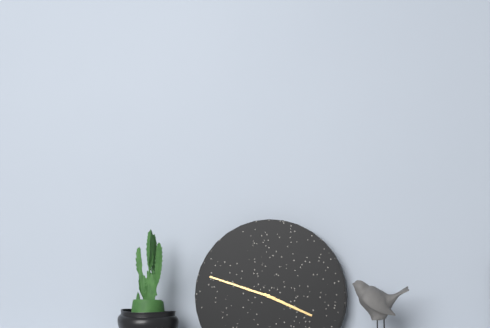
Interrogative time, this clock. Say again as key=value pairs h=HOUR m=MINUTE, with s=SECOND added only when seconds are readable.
h=3 m=48
